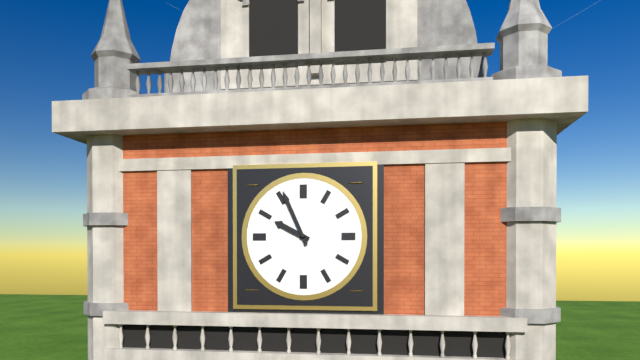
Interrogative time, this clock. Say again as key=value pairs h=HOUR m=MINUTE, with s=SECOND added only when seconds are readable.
h=9 m=56
